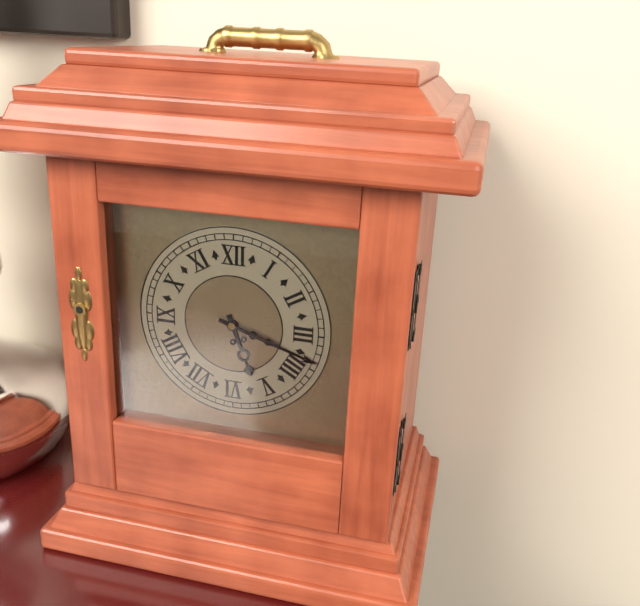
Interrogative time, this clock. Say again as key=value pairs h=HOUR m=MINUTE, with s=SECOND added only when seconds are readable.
h=5 m=18
